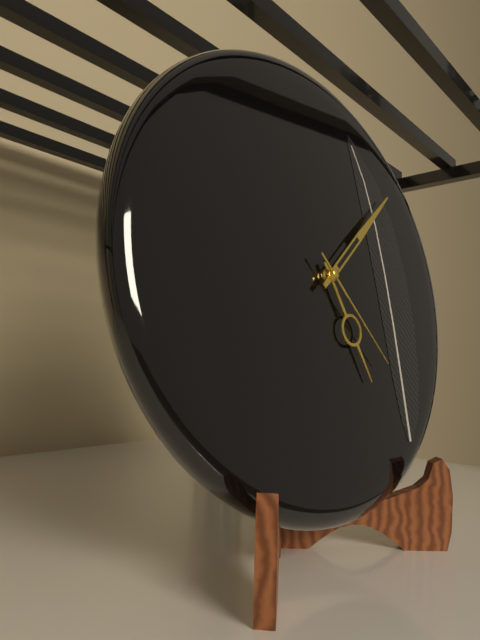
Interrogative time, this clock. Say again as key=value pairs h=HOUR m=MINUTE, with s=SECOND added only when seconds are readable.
h=5 m=8 s=23
